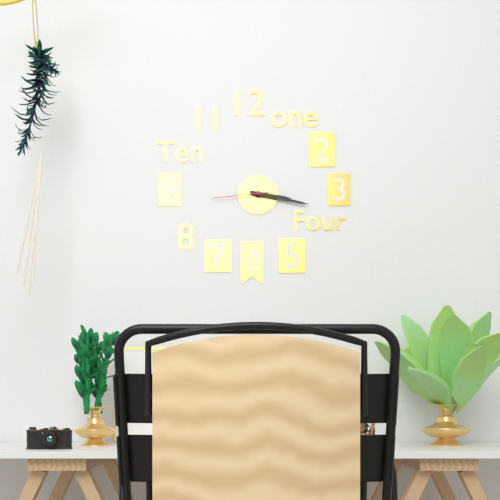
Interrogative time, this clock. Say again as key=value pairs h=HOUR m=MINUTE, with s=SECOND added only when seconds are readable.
h=3 m=17 s=44
